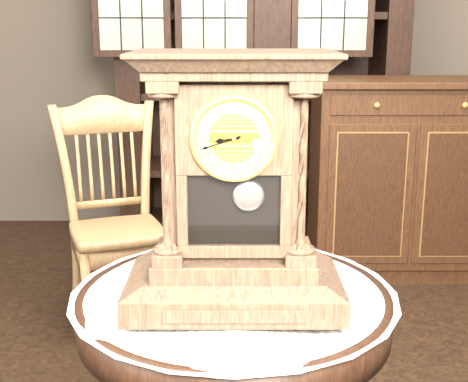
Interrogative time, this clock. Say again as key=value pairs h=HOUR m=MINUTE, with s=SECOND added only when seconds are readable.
h=8 m=42
